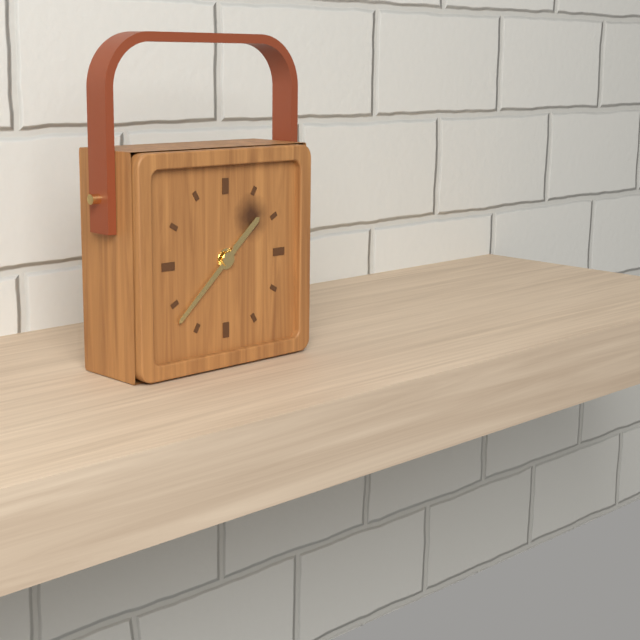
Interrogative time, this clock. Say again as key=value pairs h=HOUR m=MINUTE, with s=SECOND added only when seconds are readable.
h=1 m=38
